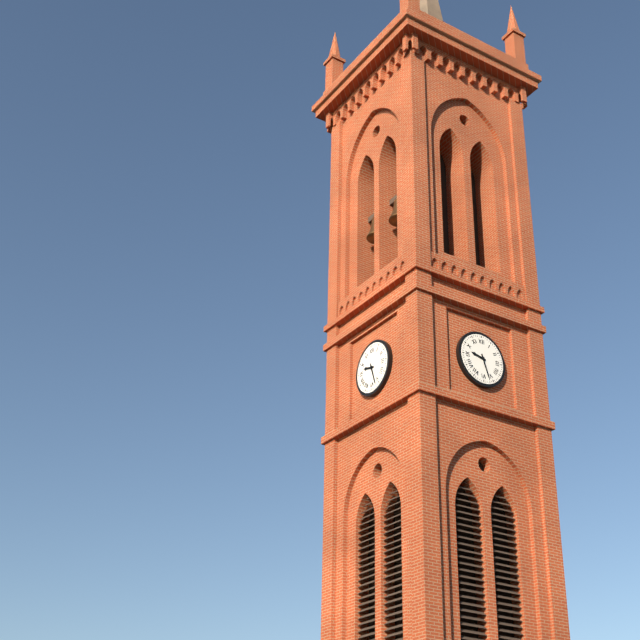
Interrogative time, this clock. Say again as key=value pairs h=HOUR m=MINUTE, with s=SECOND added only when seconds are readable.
h=9 m=27
